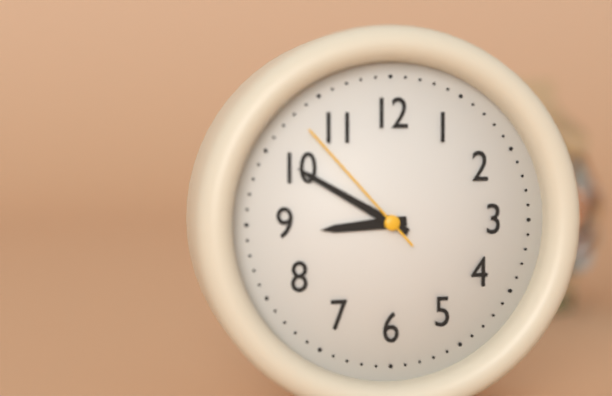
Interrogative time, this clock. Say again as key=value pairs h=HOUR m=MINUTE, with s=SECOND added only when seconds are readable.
h=8 m=50 s=53
